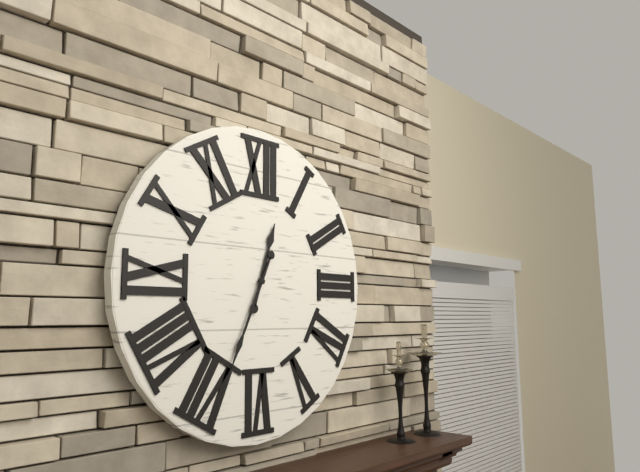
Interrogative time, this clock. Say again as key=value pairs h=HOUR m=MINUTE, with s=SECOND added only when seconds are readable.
h=12 m=34
